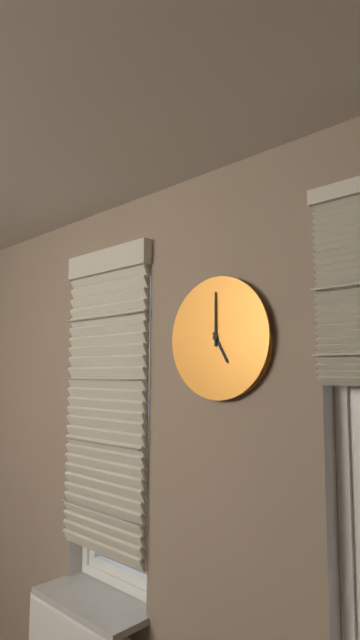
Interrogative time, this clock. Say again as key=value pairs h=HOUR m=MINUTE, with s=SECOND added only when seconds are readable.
h=5 m=0
